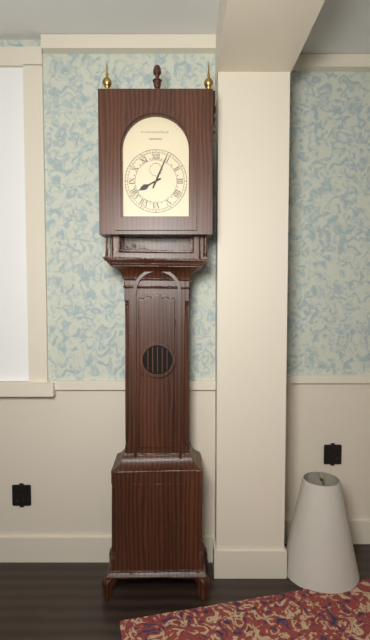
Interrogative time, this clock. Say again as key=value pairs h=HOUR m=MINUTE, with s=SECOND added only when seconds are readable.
h=8 m=4
